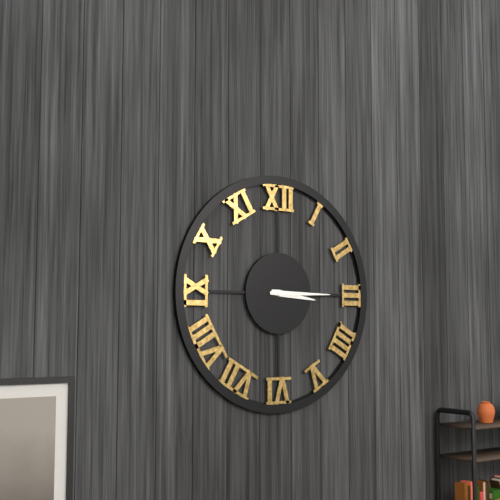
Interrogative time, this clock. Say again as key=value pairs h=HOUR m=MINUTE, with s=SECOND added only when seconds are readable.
h=3 m=15
